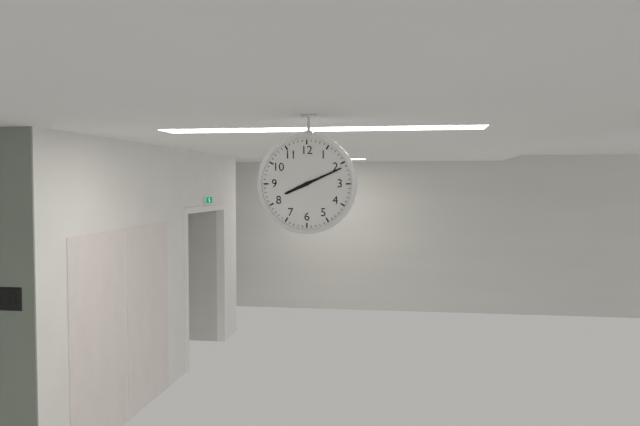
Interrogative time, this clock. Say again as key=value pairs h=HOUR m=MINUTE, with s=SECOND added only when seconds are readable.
h=8 m=11
